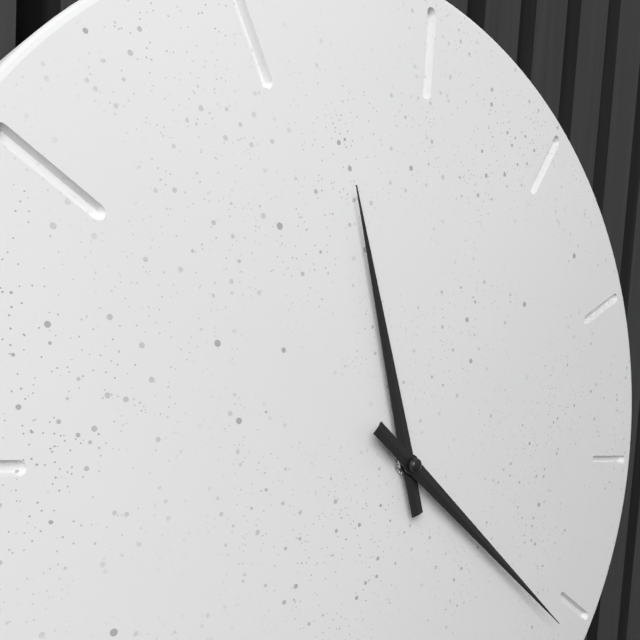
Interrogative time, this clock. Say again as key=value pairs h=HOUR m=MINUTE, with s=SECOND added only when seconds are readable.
h=11 m=21
